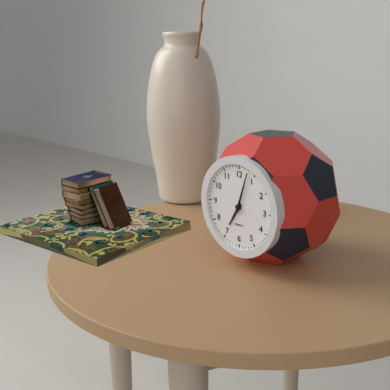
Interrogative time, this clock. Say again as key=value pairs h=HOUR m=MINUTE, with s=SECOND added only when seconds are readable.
h=7 m=3
